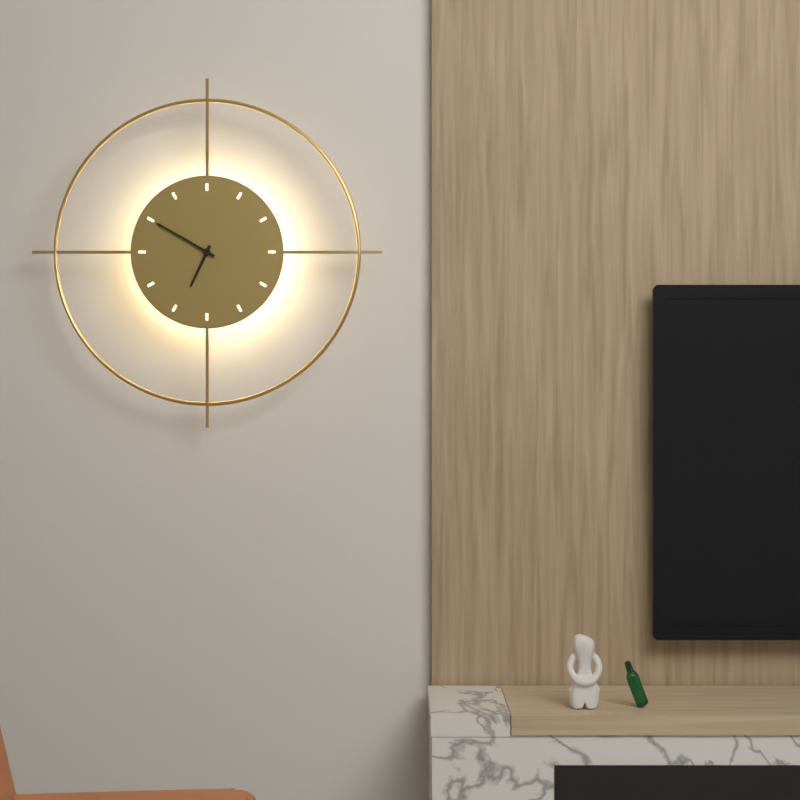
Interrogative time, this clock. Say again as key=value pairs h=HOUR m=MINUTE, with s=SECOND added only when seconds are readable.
h=6 m=50
